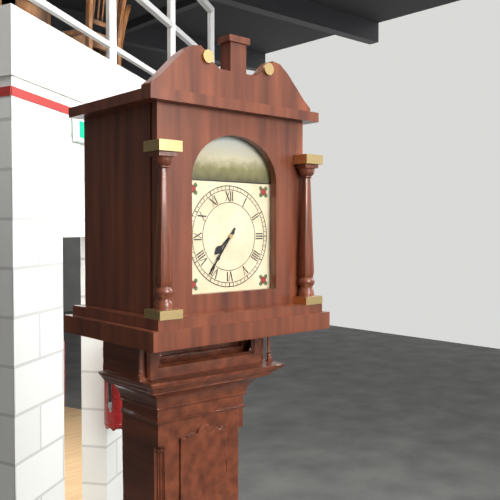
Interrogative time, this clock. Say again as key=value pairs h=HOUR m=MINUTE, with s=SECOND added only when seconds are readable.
h=7 m=36
